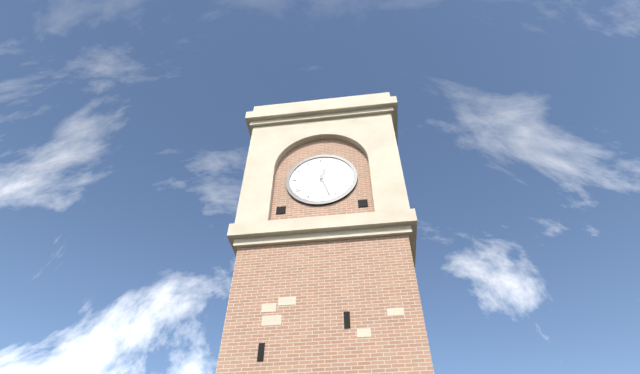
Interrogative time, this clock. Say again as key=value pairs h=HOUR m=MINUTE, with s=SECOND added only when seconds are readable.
h=12 m=27
